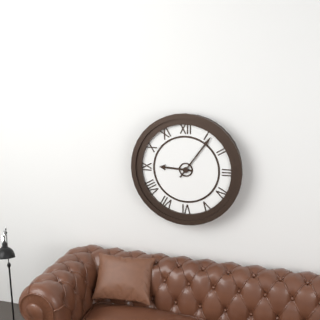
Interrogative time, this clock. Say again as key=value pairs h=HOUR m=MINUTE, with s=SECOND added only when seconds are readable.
h=9 m=6
